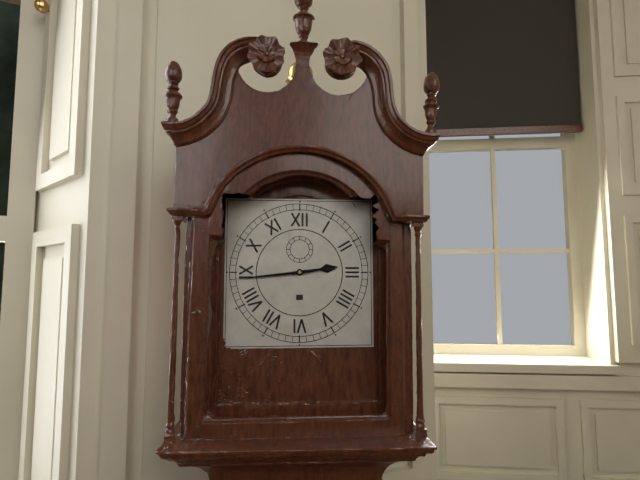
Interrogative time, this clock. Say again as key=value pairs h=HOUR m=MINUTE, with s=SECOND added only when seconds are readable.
h=2 m=44
